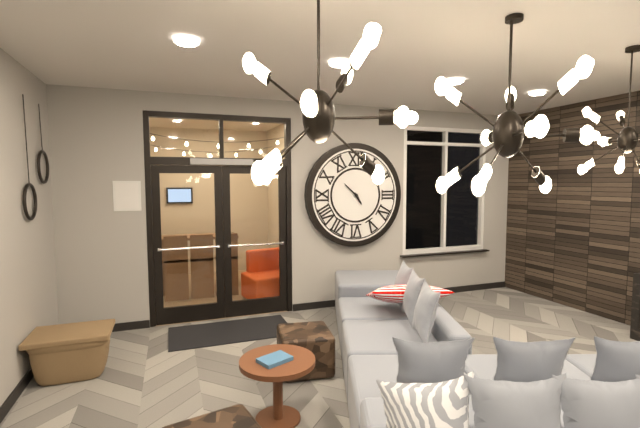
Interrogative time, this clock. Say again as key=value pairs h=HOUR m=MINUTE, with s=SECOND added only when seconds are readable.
h=4 m=52
